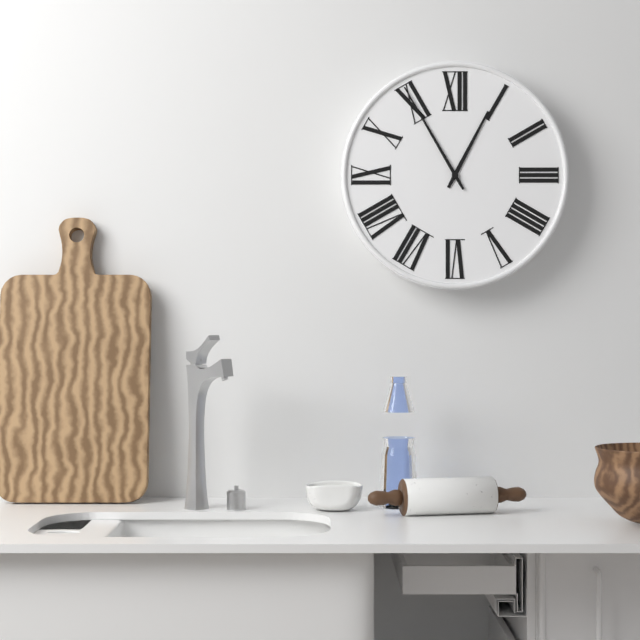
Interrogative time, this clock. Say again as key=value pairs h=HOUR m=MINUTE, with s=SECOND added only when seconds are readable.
h=12 m=55
